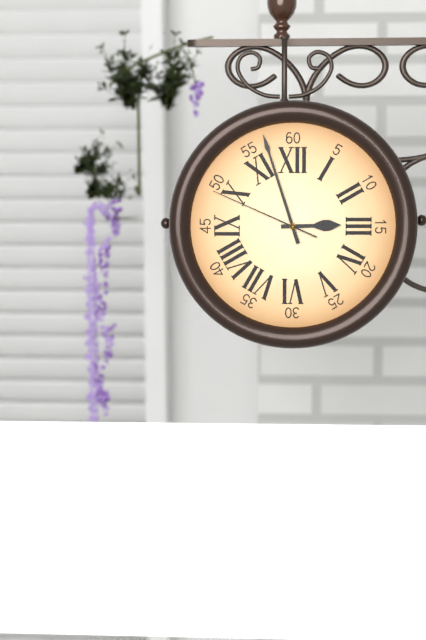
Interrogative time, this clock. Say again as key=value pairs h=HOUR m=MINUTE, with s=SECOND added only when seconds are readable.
h=2 m=57 s=49
